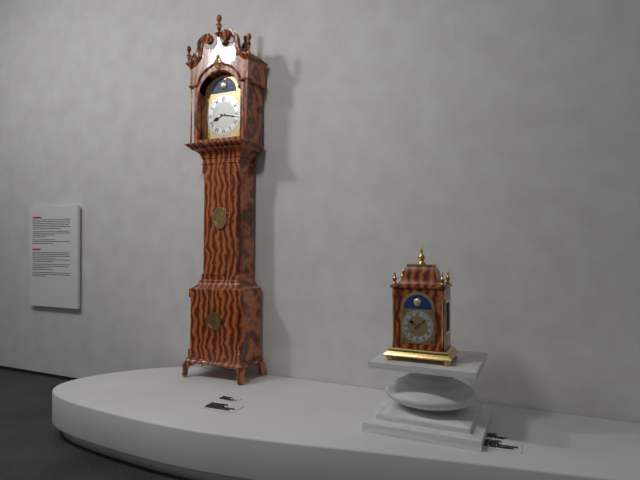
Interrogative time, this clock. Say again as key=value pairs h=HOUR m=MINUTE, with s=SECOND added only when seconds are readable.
h=8 m=17
